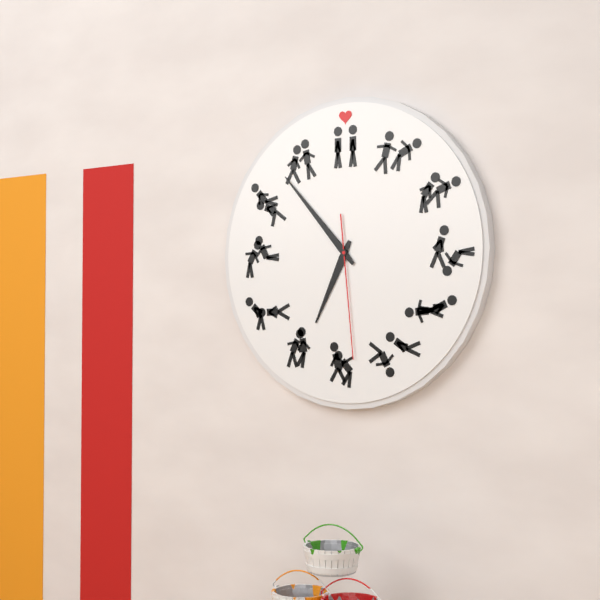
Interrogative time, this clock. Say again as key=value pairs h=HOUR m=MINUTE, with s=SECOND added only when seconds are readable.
h=6 m=53 s=29
